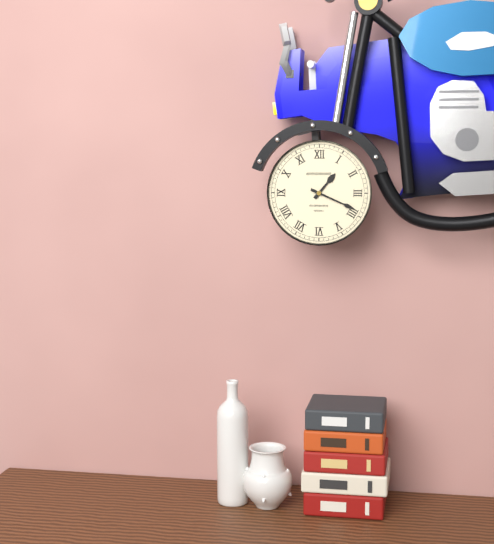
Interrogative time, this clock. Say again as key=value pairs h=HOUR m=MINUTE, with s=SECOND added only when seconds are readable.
h=1 m=19
